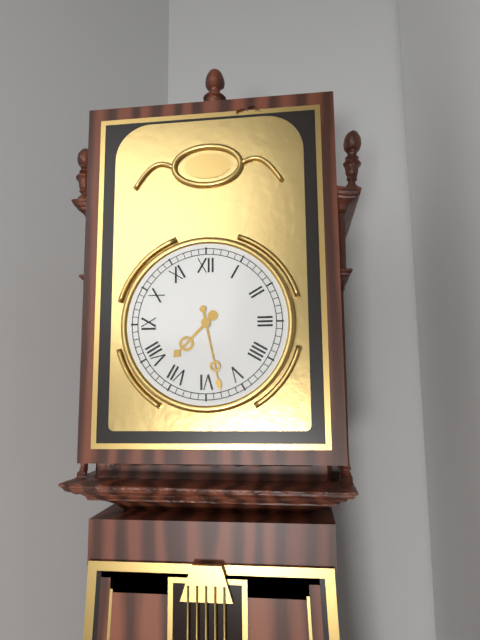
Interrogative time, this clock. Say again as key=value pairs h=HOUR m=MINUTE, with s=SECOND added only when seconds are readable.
h=7 m=28
